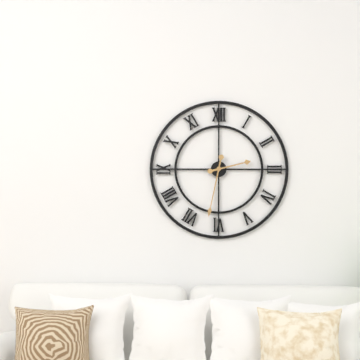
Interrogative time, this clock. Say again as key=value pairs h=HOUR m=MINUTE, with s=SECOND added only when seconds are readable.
h=2 m=32
